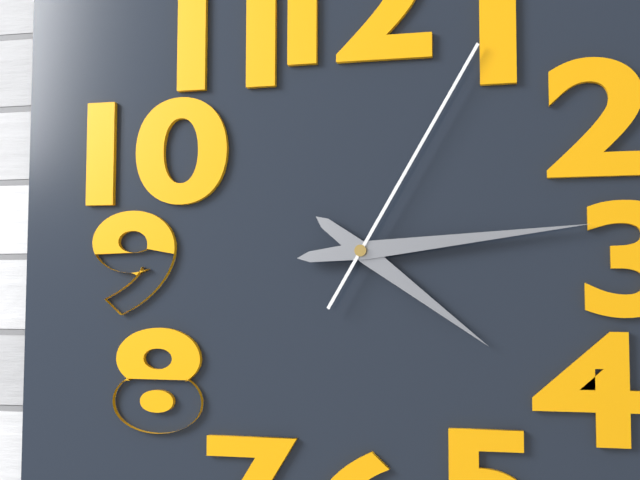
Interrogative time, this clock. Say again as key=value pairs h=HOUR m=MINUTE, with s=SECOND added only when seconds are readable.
h=4 m=14 s=5
